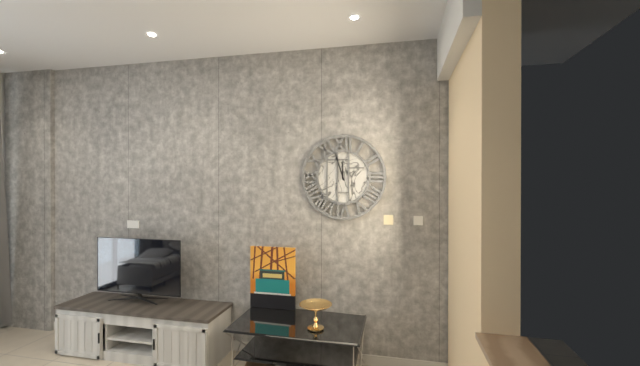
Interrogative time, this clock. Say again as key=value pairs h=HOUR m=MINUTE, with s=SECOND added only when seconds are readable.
h=11 m=57
